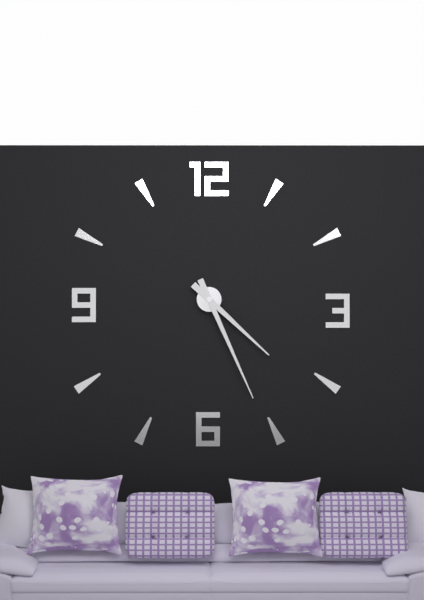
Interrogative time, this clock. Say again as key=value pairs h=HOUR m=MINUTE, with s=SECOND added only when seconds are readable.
h=4 m=26
